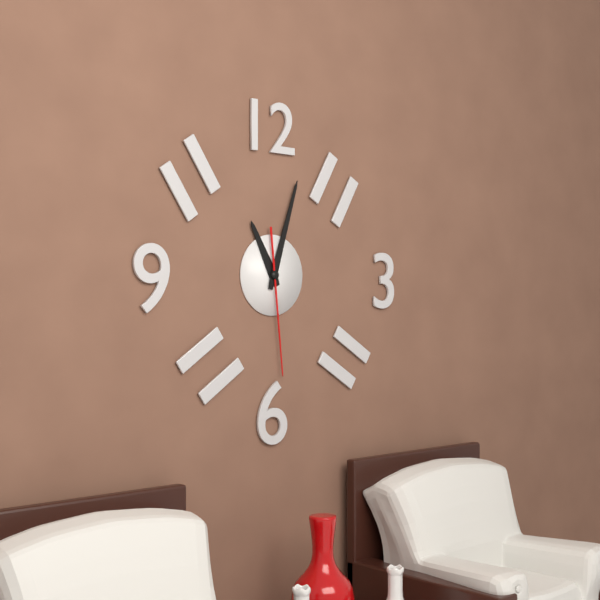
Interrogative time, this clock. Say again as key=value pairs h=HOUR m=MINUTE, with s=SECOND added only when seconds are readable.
h=11 m=3 s=29
